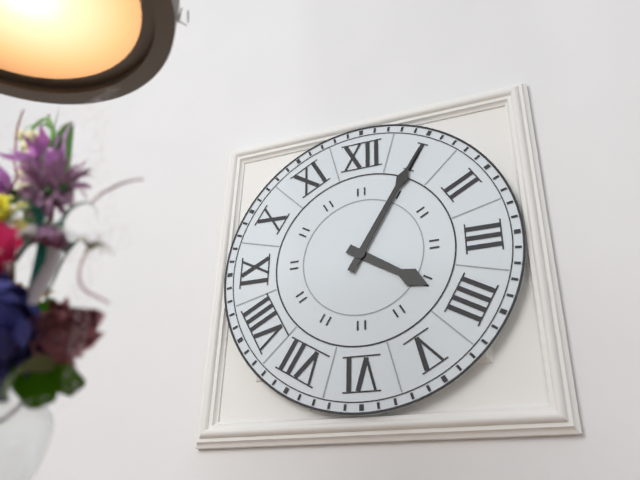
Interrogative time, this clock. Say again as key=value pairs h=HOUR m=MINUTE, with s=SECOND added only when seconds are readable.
h=4 m=5
